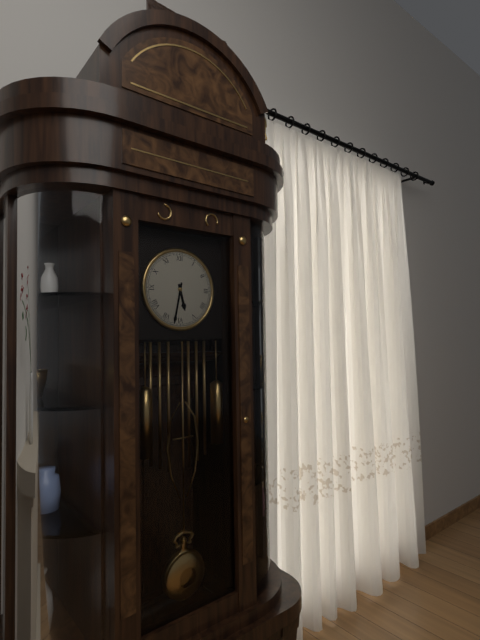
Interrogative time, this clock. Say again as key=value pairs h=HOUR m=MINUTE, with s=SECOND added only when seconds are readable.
h=5 m=32
